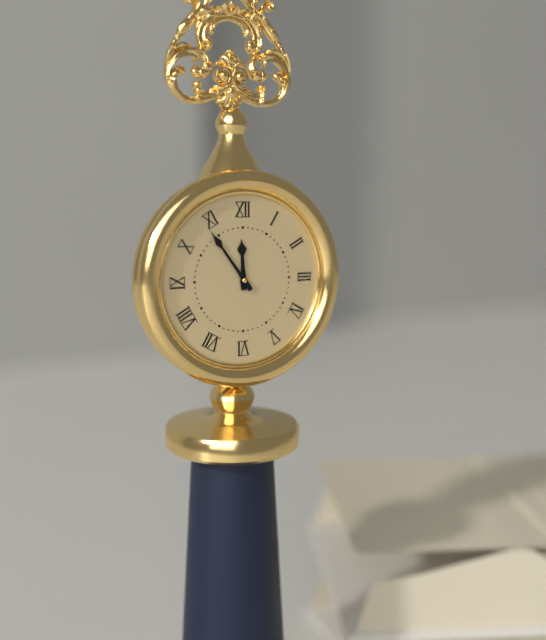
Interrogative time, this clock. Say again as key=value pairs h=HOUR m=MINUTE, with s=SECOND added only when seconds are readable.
h=11 m=54
